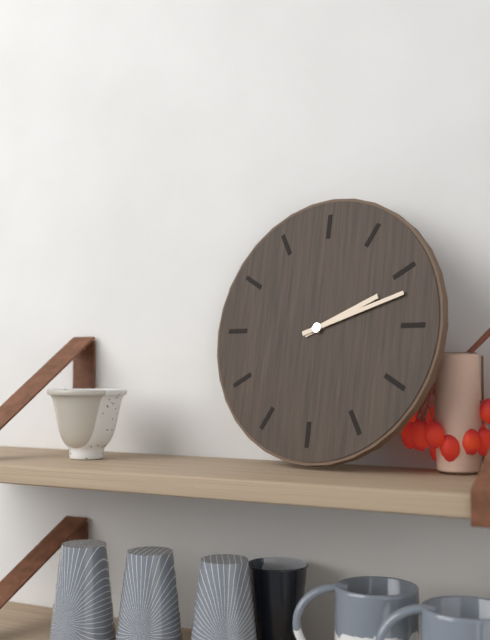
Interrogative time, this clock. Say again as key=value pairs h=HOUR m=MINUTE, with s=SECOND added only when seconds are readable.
h=2 m=12
